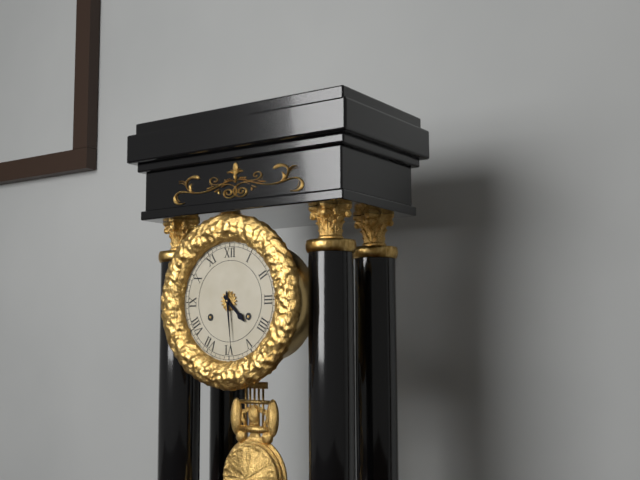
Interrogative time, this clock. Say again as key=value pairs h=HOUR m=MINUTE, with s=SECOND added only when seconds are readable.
h=4 m=29
